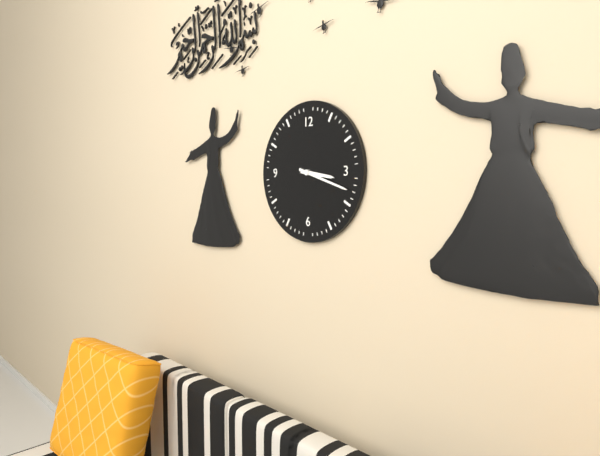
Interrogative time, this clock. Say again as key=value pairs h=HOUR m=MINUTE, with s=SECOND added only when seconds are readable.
h=3 m=18
